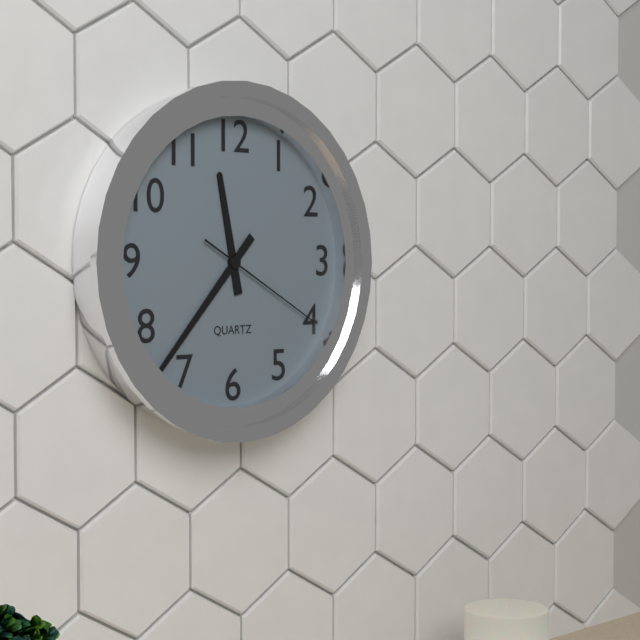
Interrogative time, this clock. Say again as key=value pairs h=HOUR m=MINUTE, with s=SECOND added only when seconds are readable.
h=11 m=37 s=20
